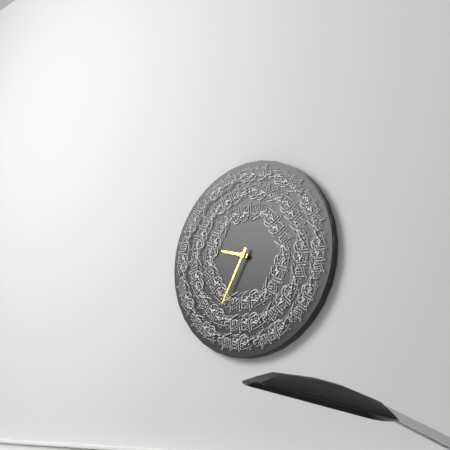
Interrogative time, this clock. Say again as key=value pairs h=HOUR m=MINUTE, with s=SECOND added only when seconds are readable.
h=9 m=35
